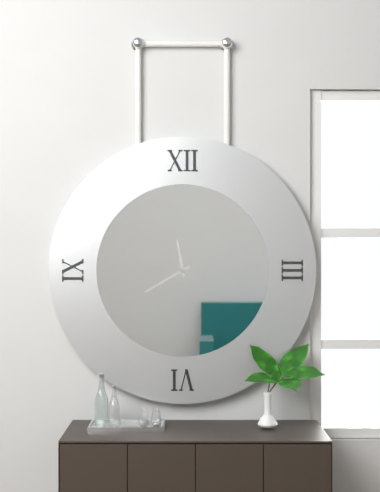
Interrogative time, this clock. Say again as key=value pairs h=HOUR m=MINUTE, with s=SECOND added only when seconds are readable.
h=11 m=40
